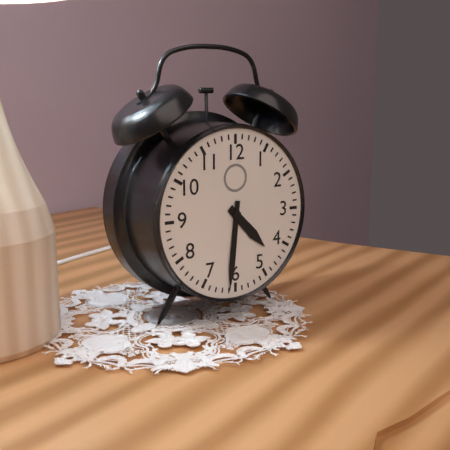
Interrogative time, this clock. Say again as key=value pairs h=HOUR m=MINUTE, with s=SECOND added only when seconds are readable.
h=4 m=31
